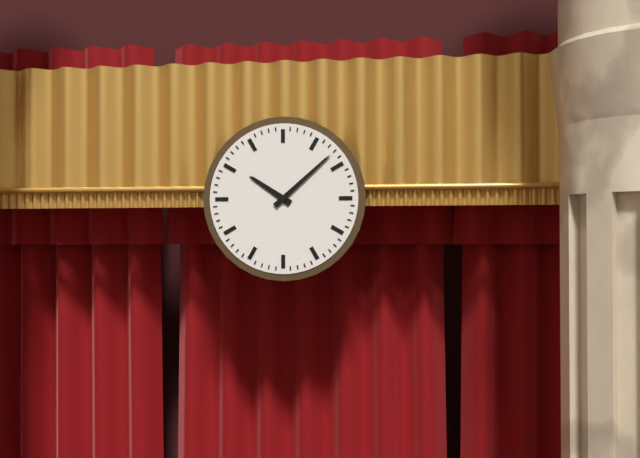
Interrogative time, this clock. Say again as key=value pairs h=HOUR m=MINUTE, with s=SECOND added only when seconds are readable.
h=10 m=8
